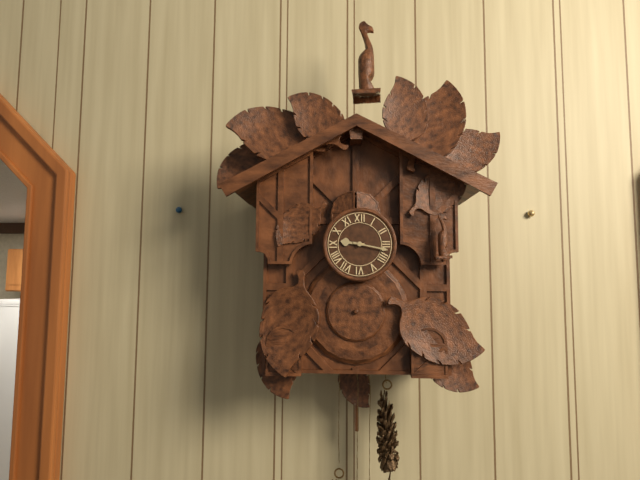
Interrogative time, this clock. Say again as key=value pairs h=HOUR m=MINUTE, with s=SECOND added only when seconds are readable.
h=9 m=17
